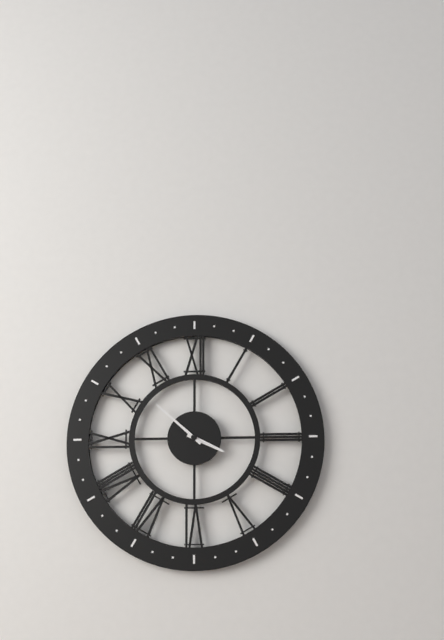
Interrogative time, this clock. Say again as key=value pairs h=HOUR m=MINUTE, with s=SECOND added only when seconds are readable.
h=3 m=52
